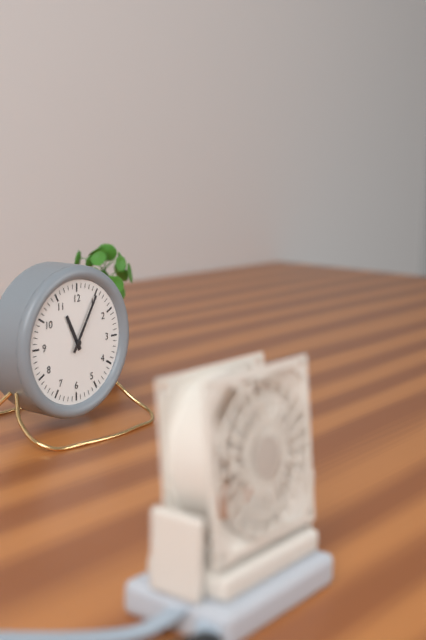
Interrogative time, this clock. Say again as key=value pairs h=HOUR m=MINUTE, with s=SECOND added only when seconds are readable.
h=11 m=5
